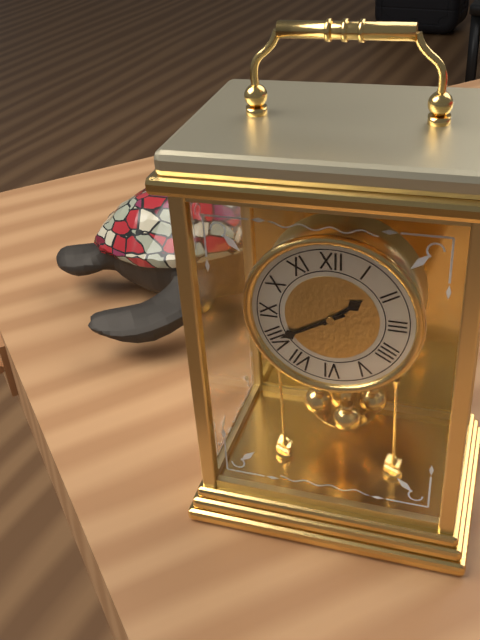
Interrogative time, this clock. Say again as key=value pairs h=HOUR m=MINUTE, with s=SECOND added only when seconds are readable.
h=1 m=40
